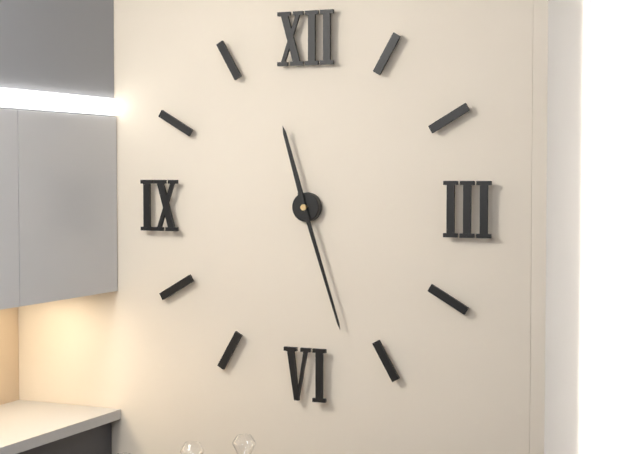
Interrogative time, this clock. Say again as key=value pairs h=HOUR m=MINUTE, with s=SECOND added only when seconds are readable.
h=11 m=27
